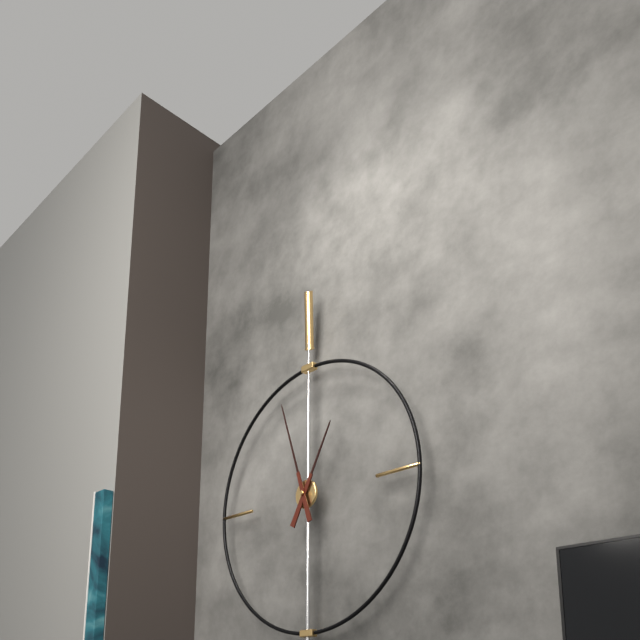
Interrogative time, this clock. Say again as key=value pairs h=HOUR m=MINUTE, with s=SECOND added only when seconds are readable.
h=12 m=57
